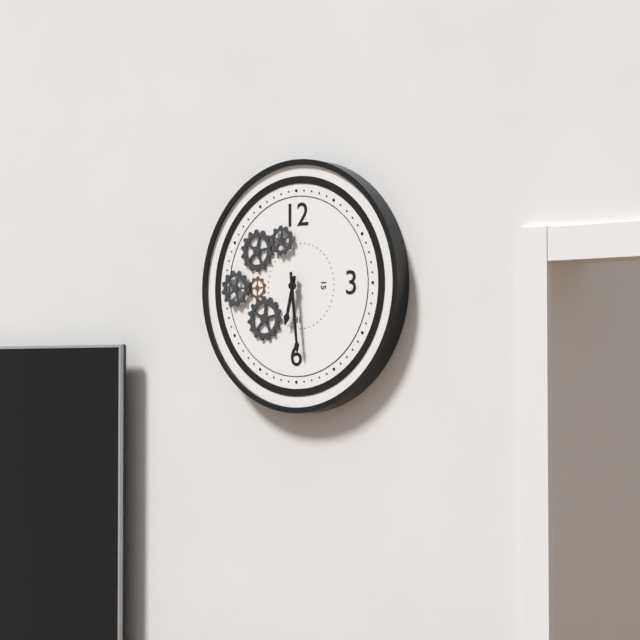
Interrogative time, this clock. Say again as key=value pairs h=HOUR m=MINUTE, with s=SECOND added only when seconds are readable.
h=6 m=29
